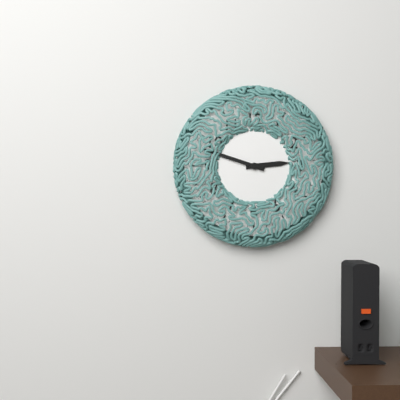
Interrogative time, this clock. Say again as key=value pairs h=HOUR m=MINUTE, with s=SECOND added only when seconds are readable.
h=2 m=48
